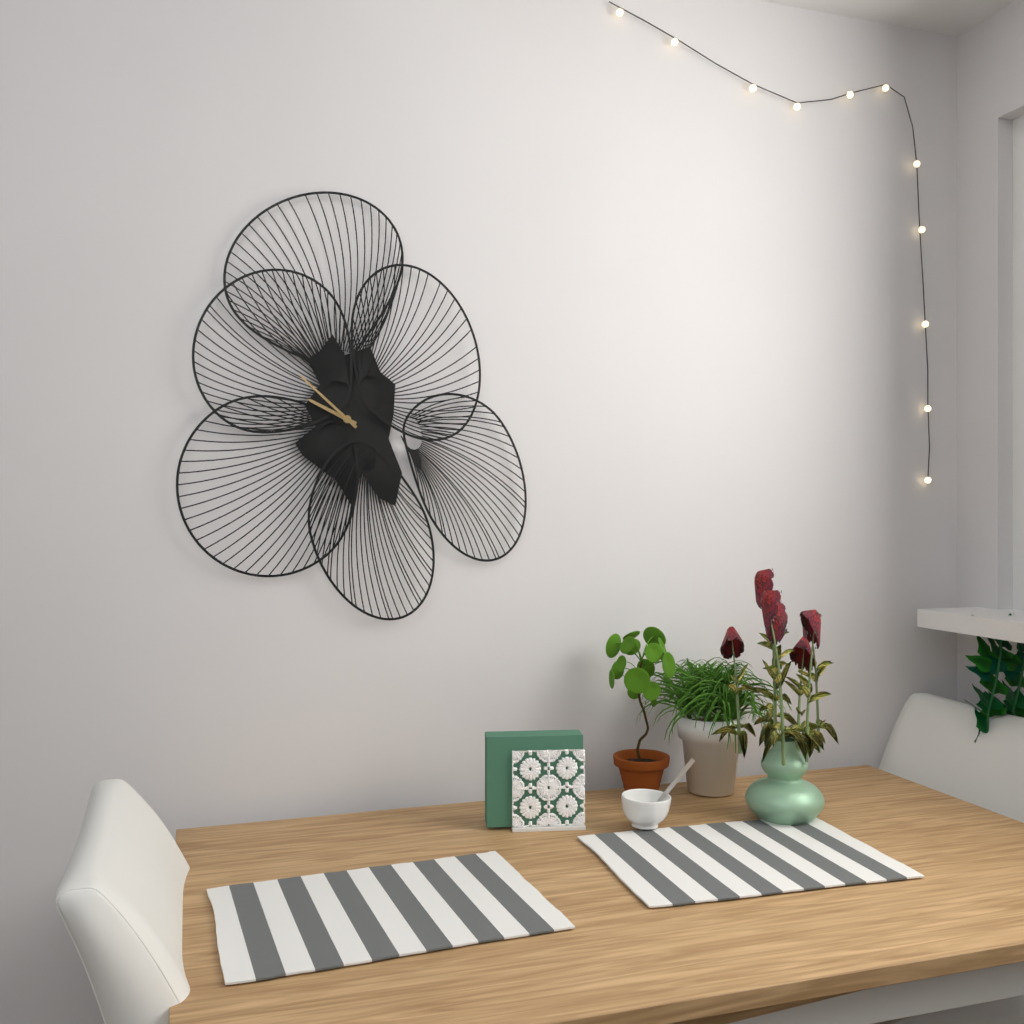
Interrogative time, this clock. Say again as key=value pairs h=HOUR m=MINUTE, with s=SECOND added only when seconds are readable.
h=9 m=52
